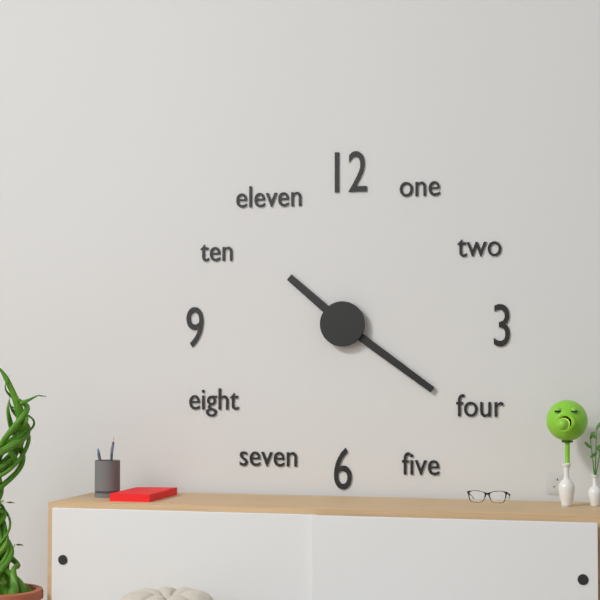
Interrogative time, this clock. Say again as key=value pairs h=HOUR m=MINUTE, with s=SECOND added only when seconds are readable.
h=10 m=21
